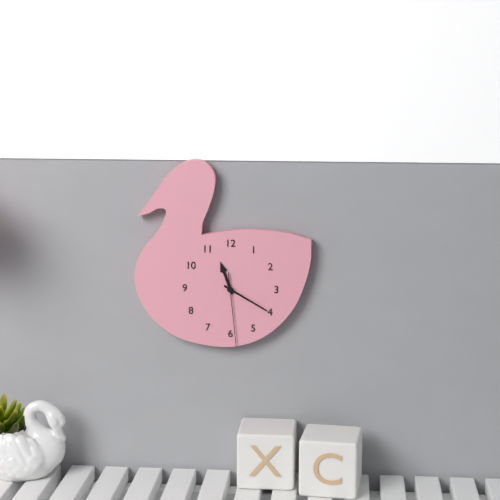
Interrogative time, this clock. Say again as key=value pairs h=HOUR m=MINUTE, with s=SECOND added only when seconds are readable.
h=11 m=20 s=29
